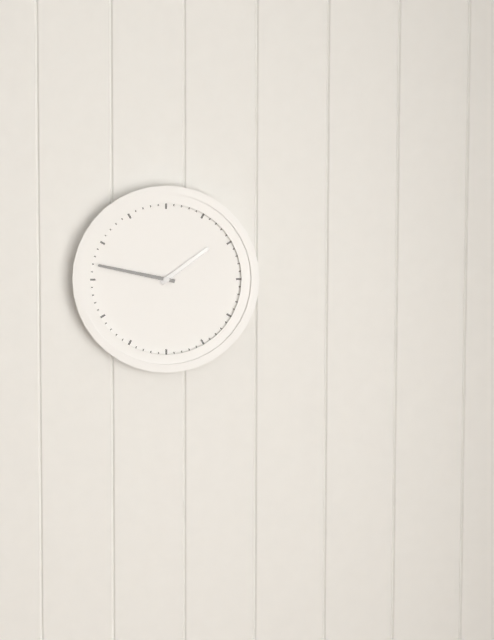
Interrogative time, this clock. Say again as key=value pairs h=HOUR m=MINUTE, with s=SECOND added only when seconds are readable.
h=1 m=47
